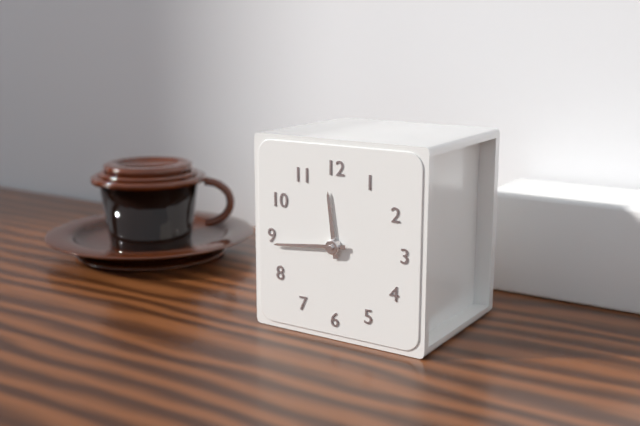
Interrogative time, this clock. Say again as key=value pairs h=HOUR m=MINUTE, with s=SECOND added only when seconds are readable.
h=11 m=44
